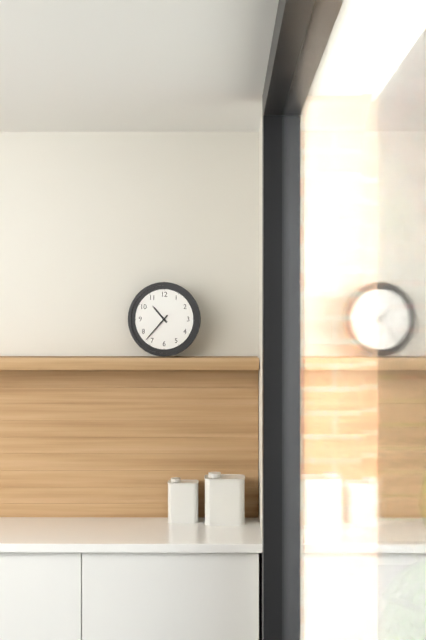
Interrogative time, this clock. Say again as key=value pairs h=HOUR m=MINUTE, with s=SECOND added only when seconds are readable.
h=10 m=37
